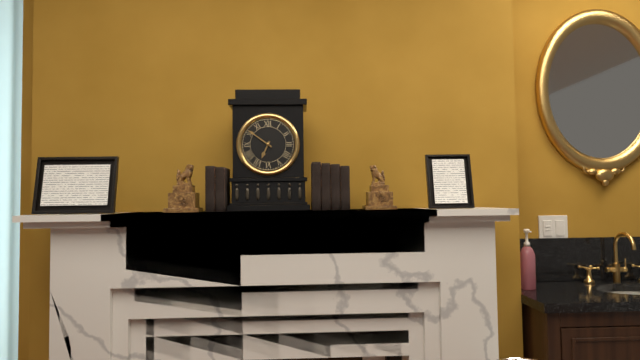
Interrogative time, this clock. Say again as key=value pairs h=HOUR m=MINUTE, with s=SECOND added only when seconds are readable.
h=6 m=51
